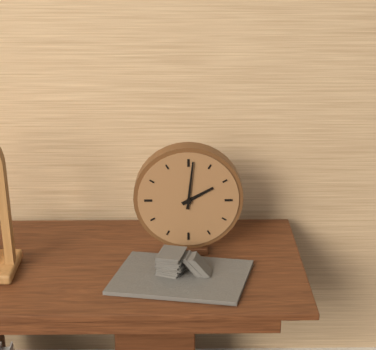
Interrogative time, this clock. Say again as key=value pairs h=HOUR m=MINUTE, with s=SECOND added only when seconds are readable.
h=2 m=1
